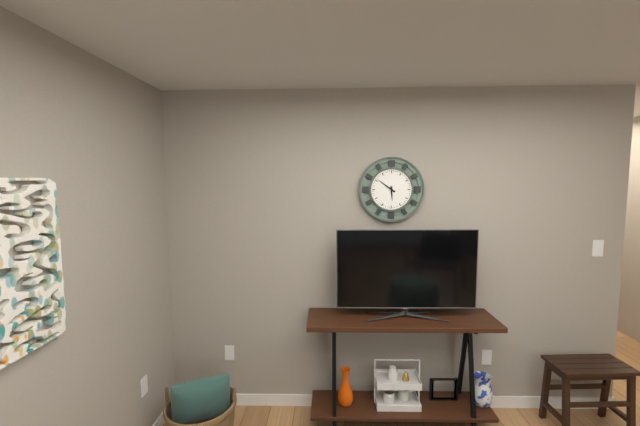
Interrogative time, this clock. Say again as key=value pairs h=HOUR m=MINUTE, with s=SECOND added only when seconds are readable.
h=5 m=51
